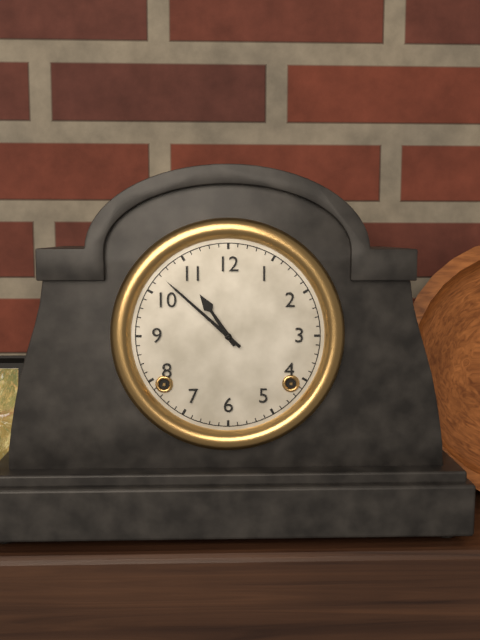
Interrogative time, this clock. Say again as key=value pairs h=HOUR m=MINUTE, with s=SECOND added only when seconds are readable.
h=10 m=52
